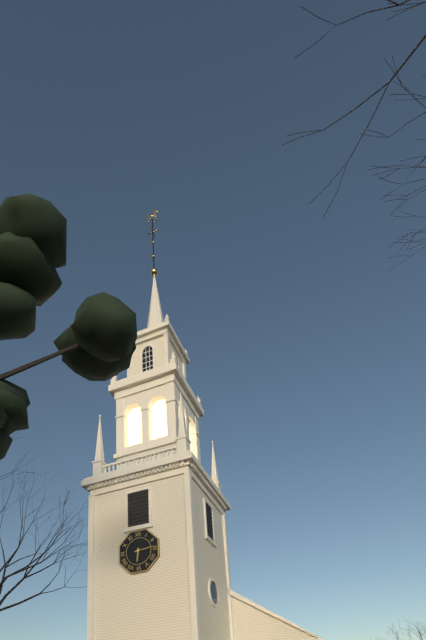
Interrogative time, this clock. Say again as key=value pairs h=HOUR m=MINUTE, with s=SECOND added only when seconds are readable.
h=6 m=14
